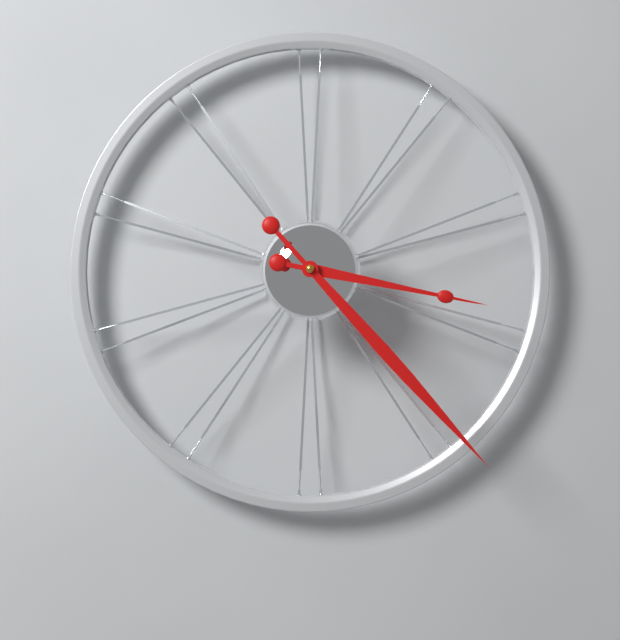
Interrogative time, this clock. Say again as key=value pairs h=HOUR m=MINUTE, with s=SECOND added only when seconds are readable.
h=3 m=23
